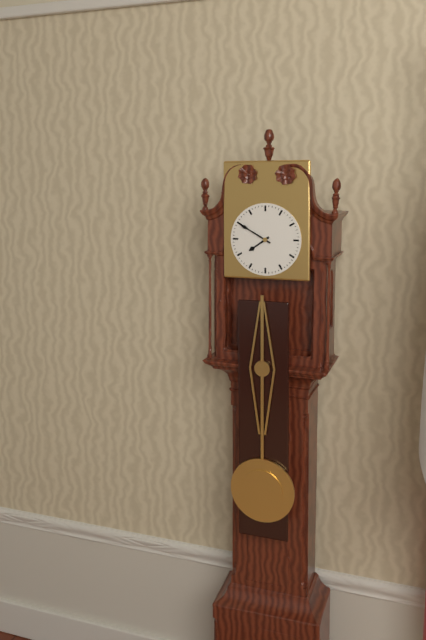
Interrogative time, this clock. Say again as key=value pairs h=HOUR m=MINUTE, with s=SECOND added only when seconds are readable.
h=7 m=50
